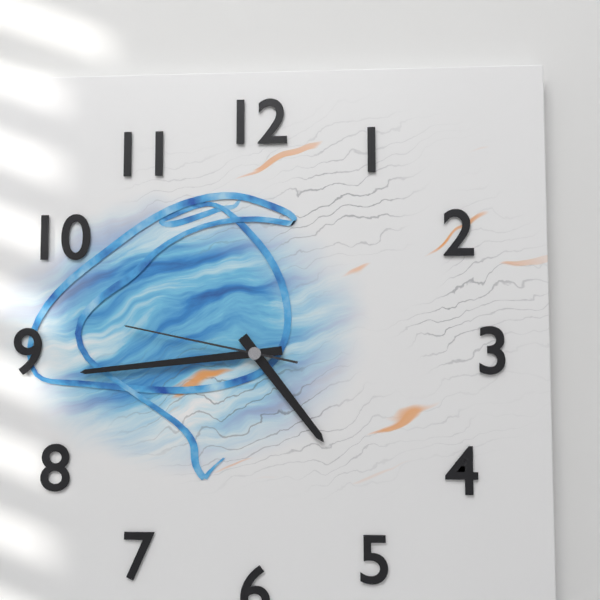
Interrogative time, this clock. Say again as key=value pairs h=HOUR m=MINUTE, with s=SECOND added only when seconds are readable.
h=4 m=44 s=47
